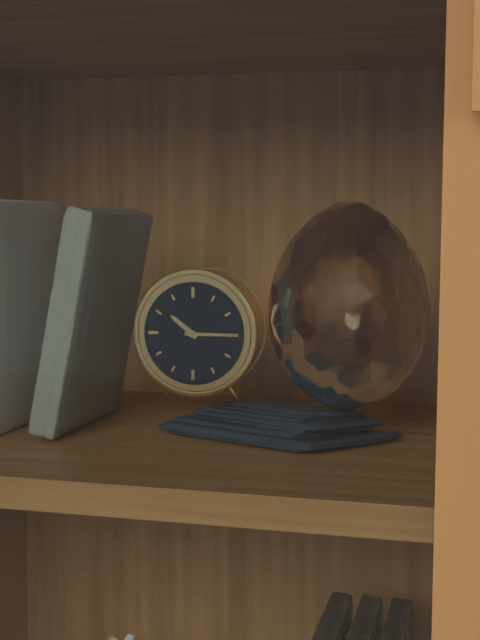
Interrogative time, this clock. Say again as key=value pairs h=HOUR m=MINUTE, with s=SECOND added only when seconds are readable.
h=10 m=15
